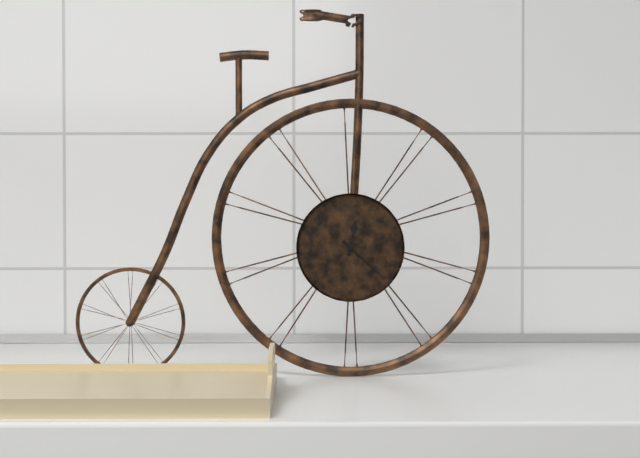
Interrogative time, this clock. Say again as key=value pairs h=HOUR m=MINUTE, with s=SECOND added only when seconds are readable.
h=12 m=22
